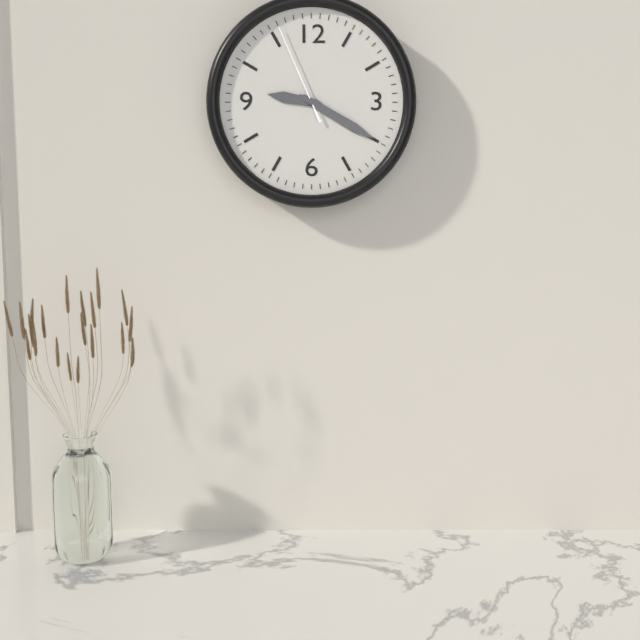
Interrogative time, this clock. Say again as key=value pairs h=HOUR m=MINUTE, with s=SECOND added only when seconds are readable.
h=9 m=20 s=56
